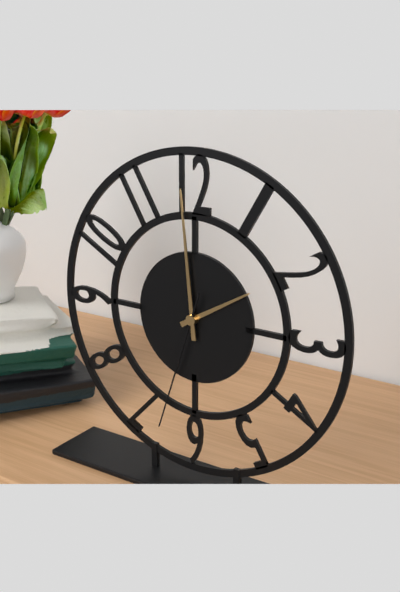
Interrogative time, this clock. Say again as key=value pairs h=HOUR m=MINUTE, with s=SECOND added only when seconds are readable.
h=1 m=59 s=33
